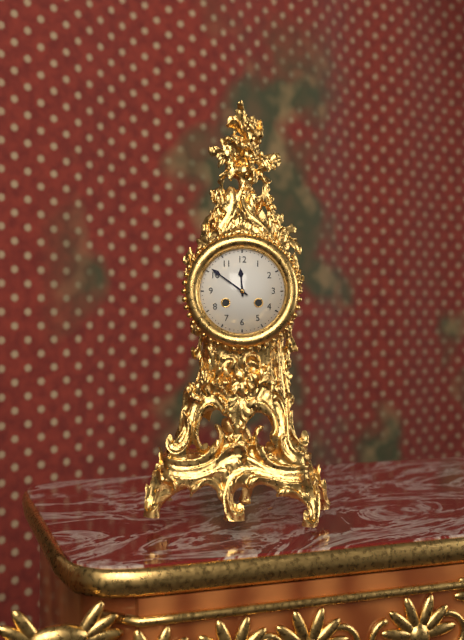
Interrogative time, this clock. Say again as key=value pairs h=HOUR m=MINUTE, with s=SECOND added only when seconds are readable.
h=11 m=51
